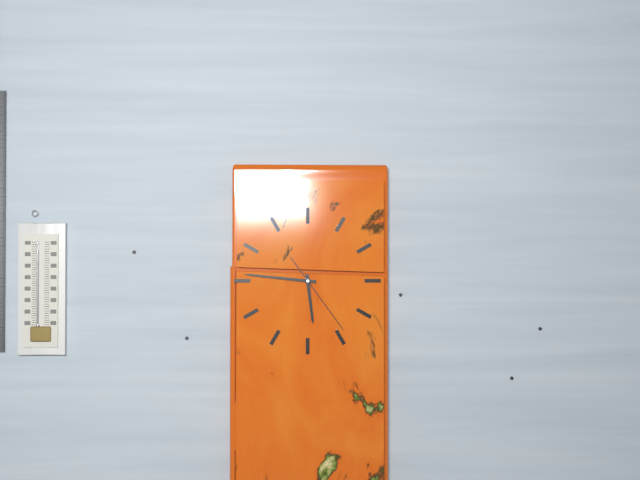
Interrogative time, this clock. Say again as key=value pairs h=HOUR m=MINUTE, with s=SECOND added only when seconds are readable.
h=5 m=46 s=24
